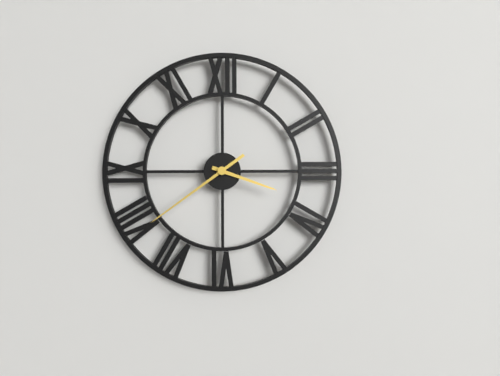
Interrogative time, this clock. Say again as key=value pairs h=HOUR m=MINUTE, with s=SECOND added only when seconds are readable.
h=3 m=39
